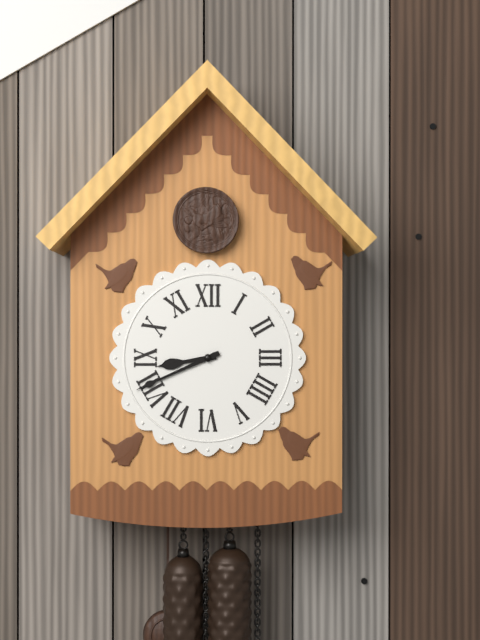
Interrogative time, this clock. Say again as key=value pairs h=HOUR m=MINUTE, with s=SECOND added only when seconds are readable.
h=8 m=41
